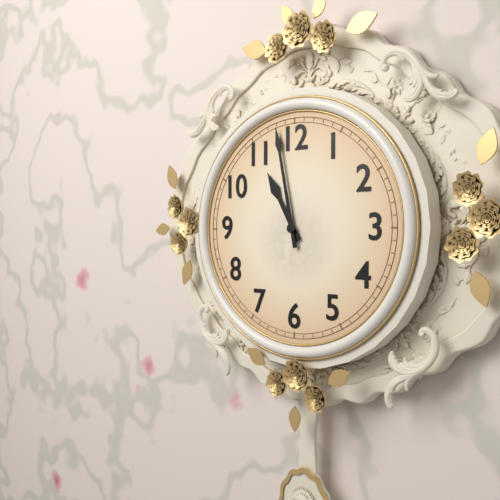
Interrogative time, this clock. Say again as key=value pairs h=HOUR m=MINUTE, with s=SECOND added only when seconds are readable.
h=10 m=58
